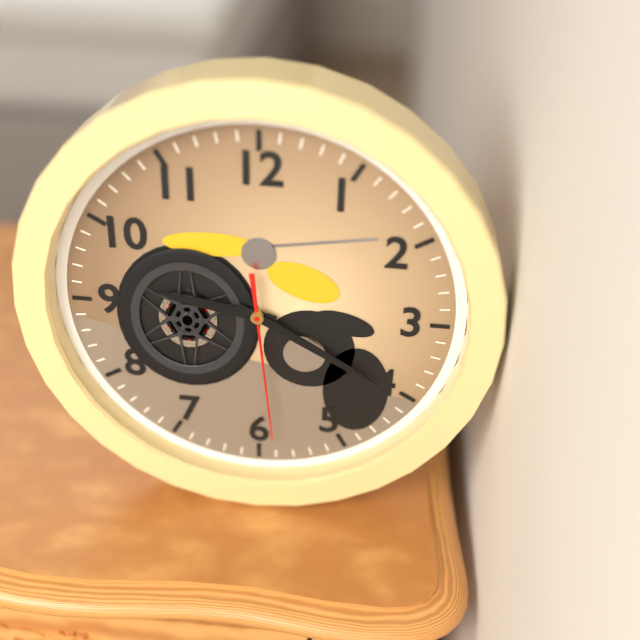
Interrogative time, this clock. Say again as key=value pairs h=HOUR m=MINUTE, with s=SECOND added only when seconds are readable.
h=9 m=20 s=29
